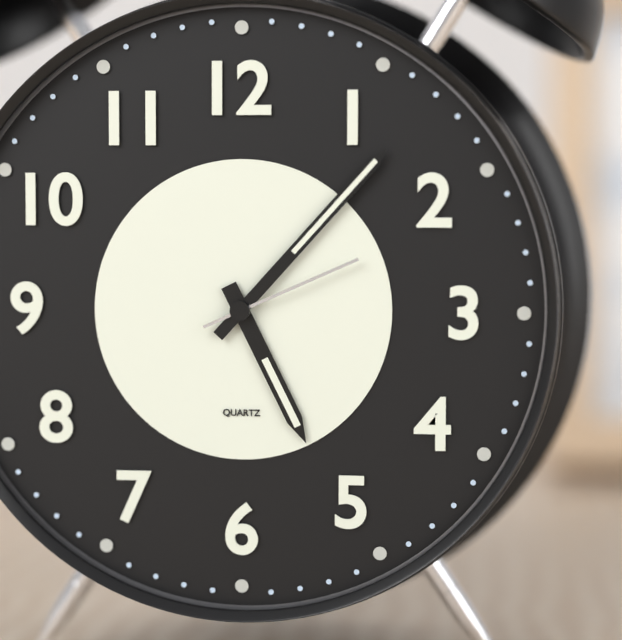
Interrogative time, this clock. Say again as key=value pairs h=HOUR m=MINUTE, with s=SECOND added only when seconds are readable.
h=5 m=7 s=11
